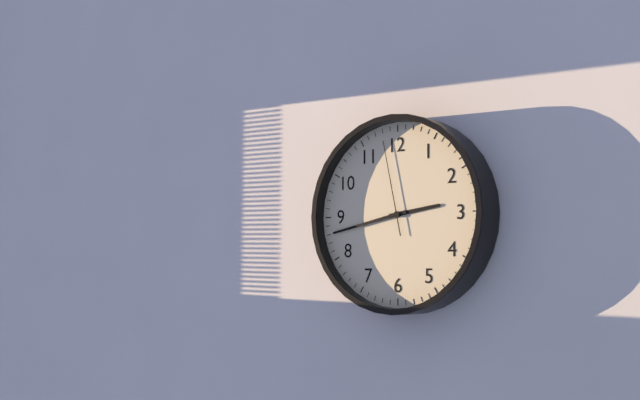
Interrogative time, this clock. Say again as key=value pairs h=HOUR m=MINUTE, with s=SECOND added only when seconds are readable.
h=2 m=43 s=58
